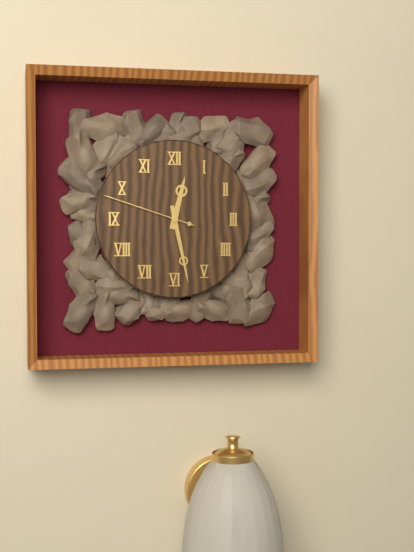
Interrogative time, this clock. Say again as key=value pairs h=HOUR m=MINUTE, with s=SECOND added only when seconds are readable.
h=12 m=28 s=48
